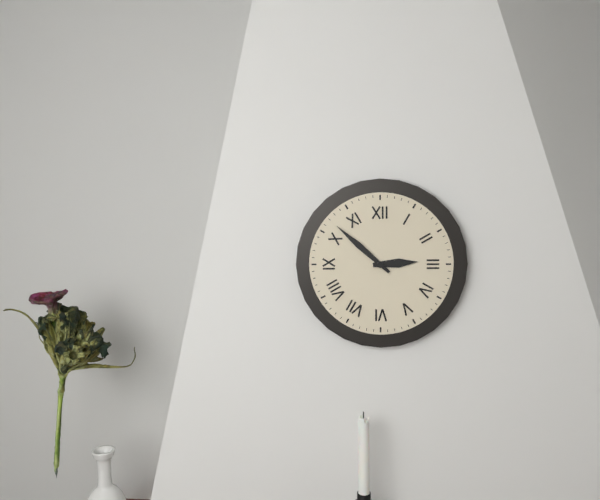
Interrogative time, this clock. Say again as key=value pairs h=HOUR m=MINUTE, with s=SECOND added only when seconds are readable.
h=2 m=52
